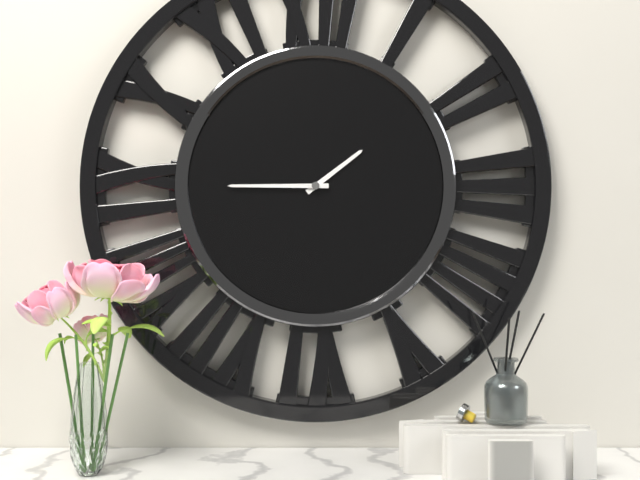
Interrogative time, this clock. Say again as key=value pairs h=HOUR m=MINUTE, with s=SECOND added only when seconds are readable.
h=1 m=45
